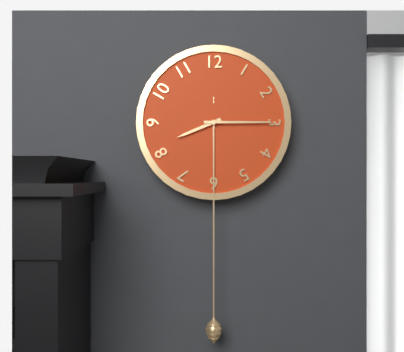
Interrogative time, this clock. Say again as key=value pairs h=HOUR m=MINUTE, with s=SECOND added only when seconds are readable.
h=8 m=15
